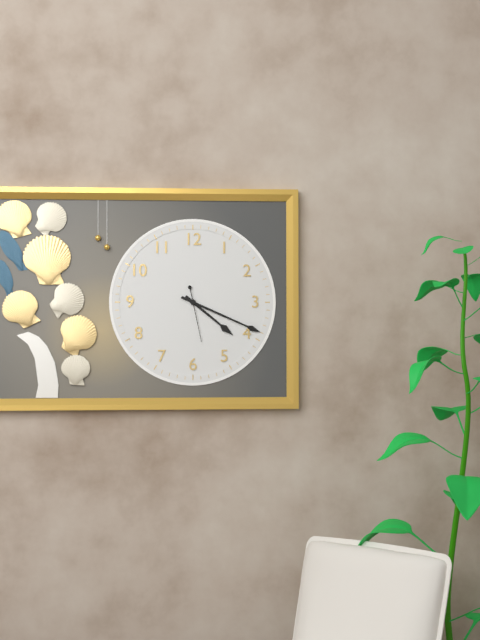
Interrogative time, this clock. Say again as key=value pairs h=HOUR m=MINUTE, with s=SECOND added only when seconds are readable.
h=4 m=19 s=28
